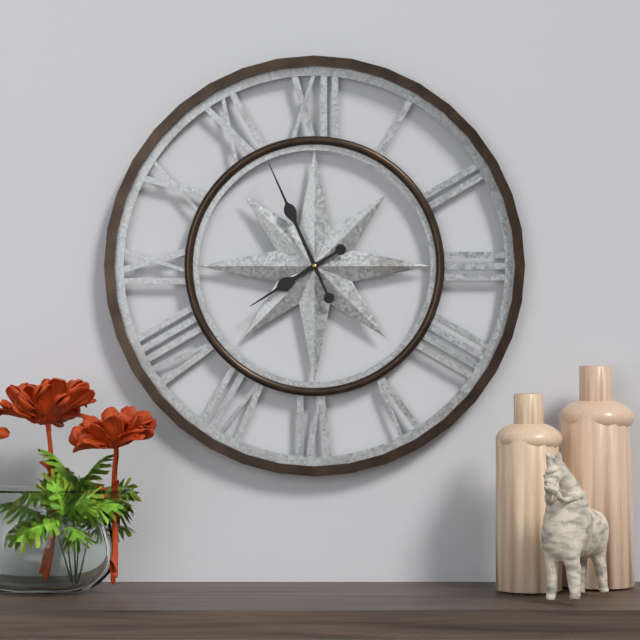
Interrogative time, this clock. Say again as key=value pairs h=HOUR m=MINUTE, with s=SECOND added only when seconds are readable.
h=7 m=56
